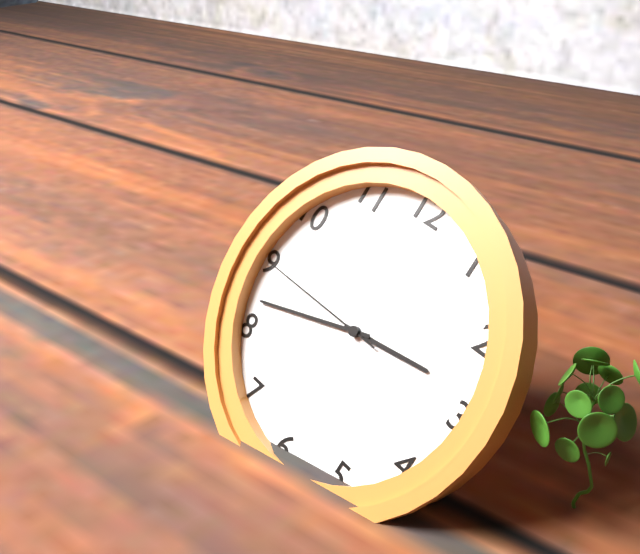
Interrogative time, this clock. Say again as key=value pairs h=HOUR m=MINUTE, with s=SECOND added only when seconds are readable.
h=2 m=42 s=45
